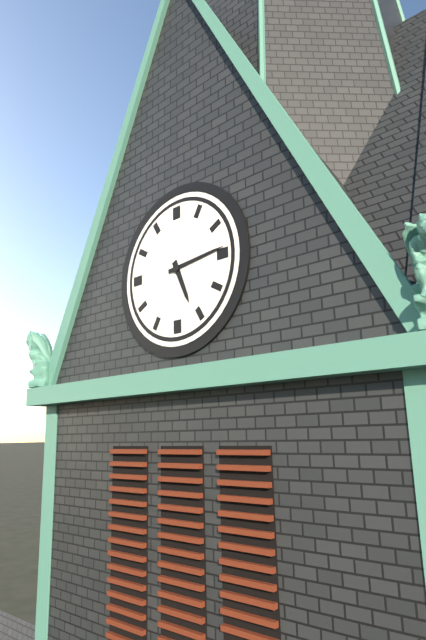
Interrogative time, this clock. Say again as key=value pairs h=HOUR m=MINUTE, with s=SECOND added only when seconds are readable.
h=5 m=14
